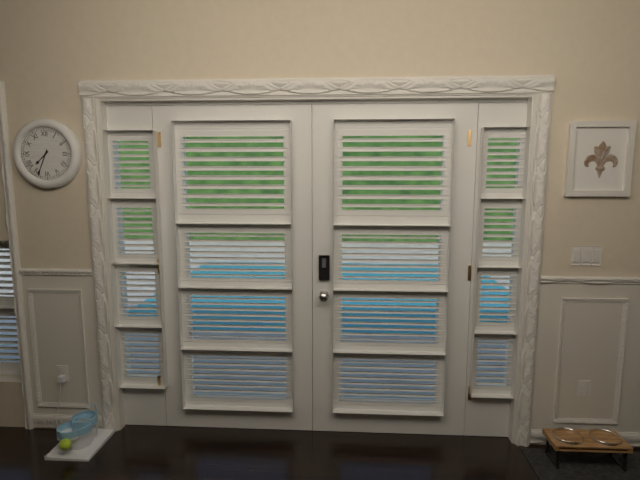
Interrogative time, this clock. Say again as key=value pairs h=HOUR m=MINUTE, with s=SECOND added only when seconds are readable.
h=7 m=34
